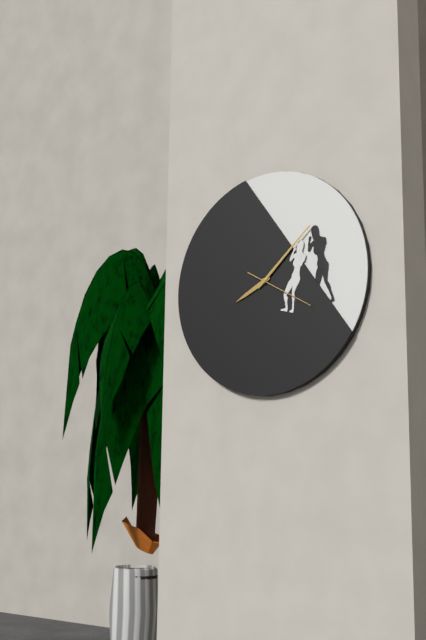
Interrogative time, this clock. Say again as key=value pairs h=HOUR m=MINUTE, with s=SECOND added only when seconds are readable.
h=8 m=8 s=20
